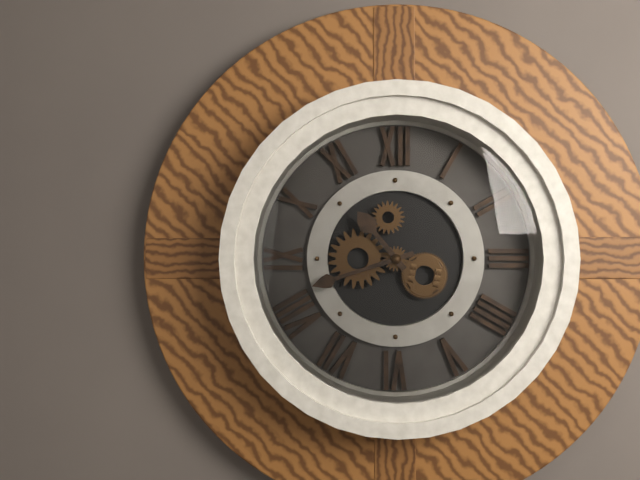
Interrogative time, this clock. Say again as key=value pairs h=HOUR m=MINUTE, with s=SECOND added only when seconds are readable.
h=10 m=42
